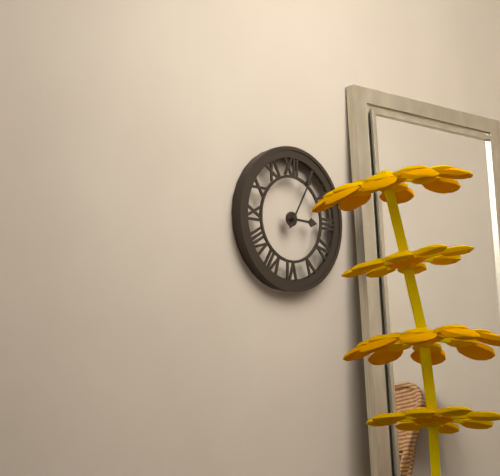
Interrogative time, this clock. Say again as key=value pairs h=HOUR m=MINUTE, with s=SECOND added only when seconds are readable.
h=3 m=5
